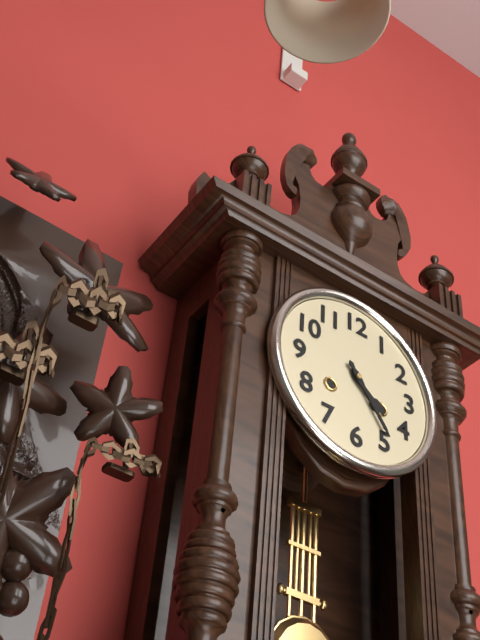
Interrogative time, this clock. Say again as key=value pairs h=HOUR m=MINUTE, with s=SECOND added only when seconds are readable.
h=4 m=24
